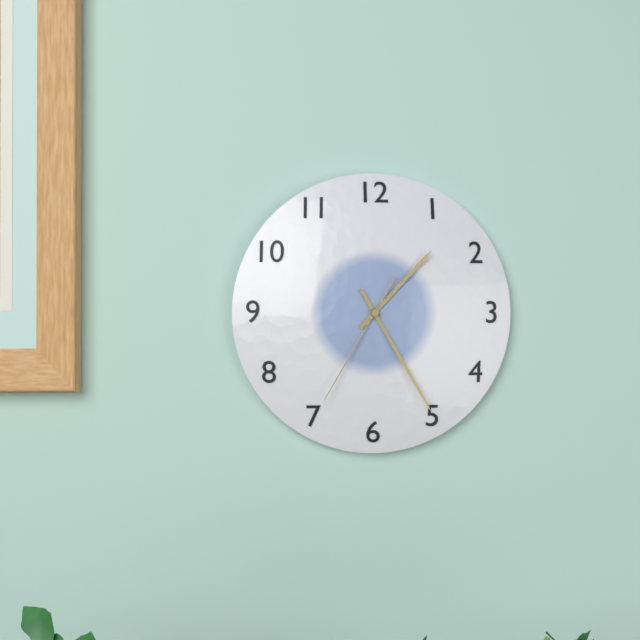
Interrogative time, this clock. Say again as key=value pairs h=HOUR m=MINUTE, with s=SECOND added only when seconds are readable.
h=1 m=25 s=35
